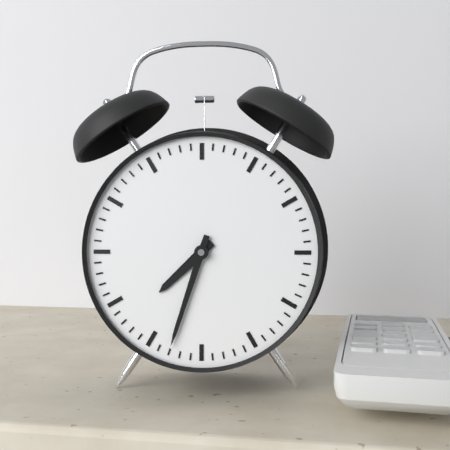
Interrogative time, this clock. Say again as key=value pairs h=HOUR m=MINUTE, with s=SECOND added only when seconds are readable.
h=7 m=33
